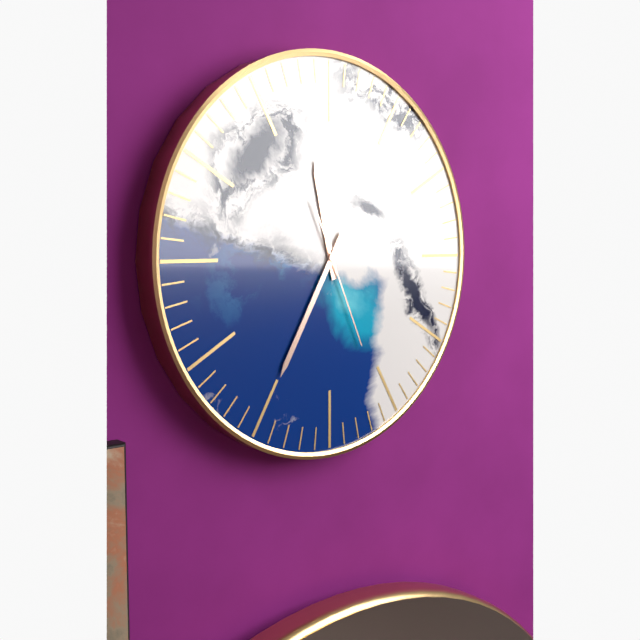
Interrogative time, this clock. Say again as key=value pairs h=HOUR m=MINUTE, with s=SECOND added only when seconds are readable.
h=11 m=35 s=26
